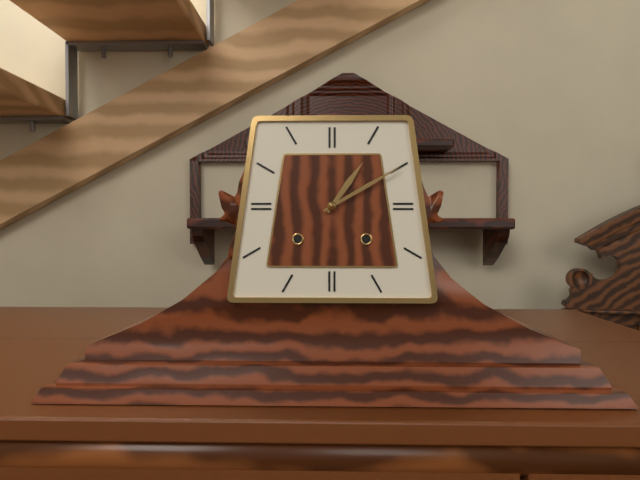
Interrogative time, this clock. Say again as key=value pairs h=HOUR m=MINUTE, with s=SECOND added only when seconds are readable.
h=1 m=10
